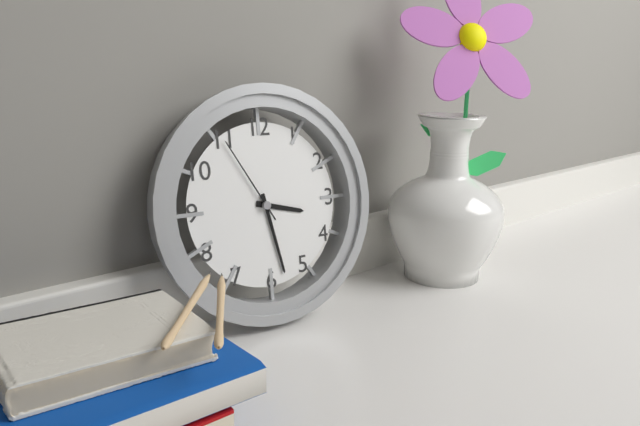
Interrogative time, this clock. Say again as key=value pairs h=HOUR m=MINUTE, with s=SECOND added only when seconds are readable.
h=3 m=28 s=55
